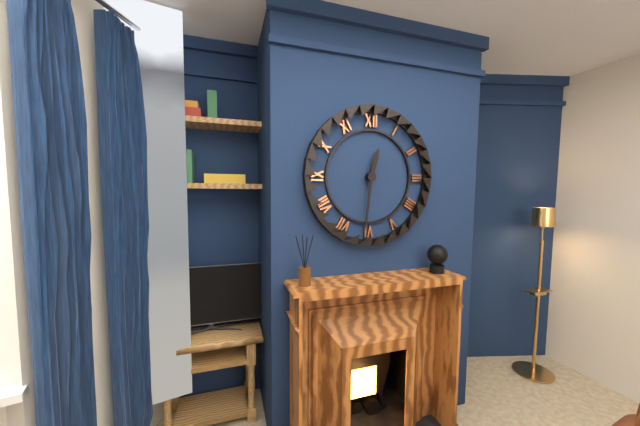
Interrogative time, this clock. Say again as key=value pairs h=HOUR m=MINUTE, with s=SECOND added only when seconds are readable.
h=12 m=31
